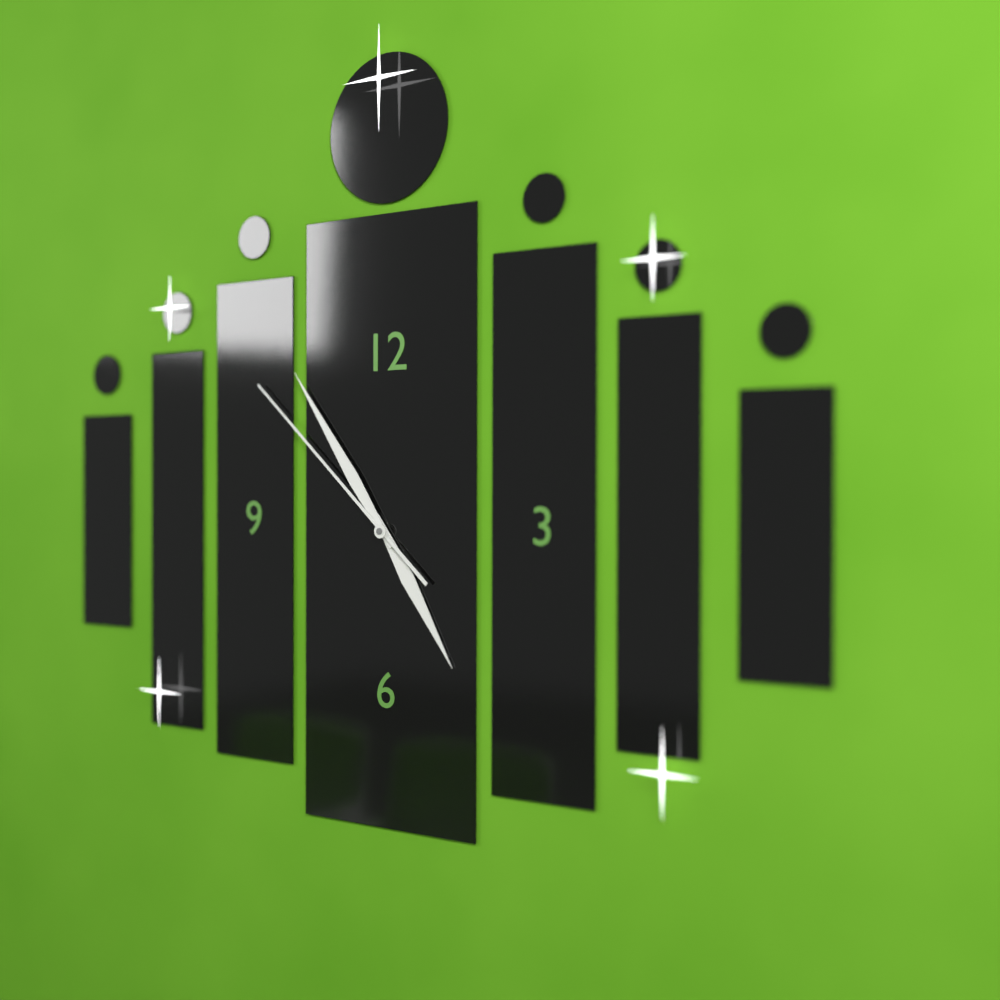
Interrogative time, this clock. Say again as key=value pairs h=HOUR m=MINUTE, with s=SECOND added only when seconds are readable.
h=4 m=54 s=52
